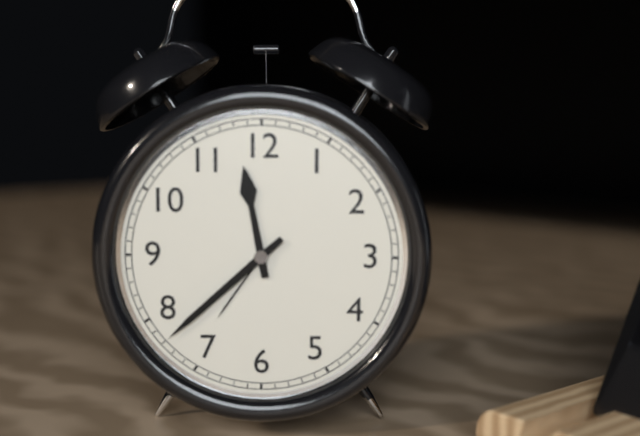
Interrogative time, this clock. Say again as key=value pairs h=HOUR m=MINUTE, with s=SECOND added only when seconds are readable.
h=11 m=38
